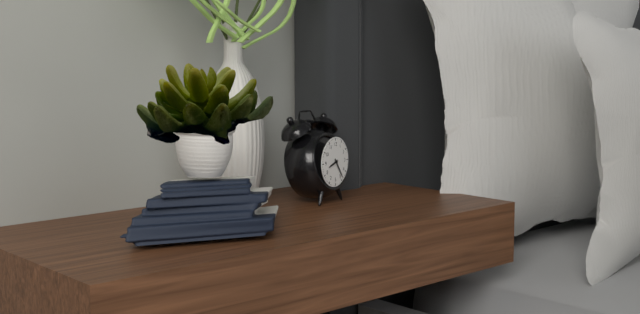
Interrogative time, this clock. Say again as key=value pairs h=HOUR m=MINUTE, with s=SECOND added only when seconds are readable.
h=8 m=24
